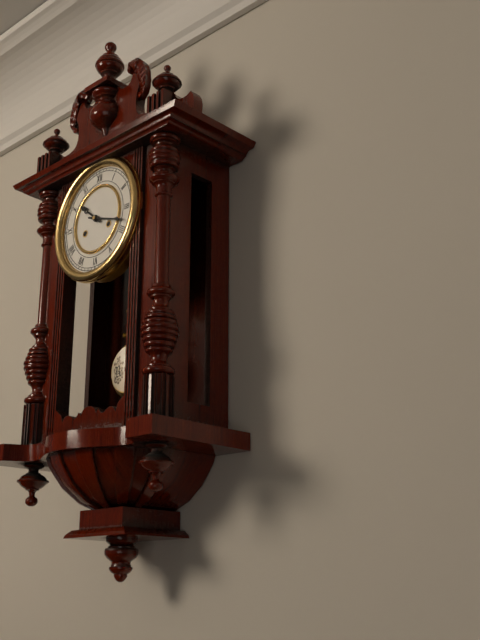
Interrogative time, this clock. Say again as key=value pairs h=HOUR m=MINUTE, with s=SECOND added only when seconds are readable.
h=10 m=18
